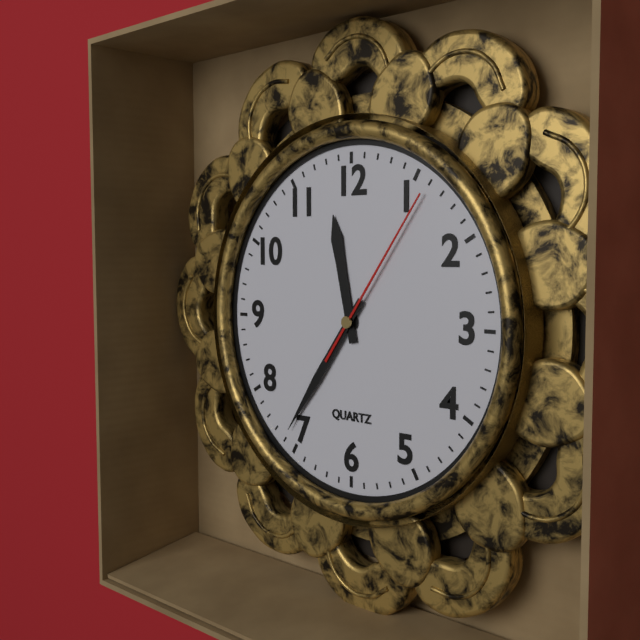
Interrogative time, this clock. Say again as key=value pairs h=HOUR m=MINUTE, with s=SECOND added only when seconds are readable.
h=11 m=36 s=6
